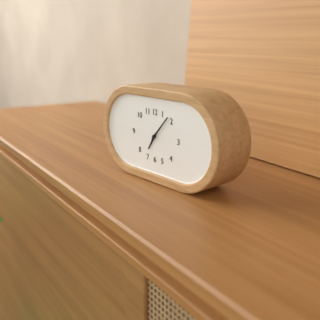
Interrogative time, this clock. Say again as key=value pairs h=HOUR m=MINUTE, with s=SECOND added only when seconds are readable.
h=7 m=7
